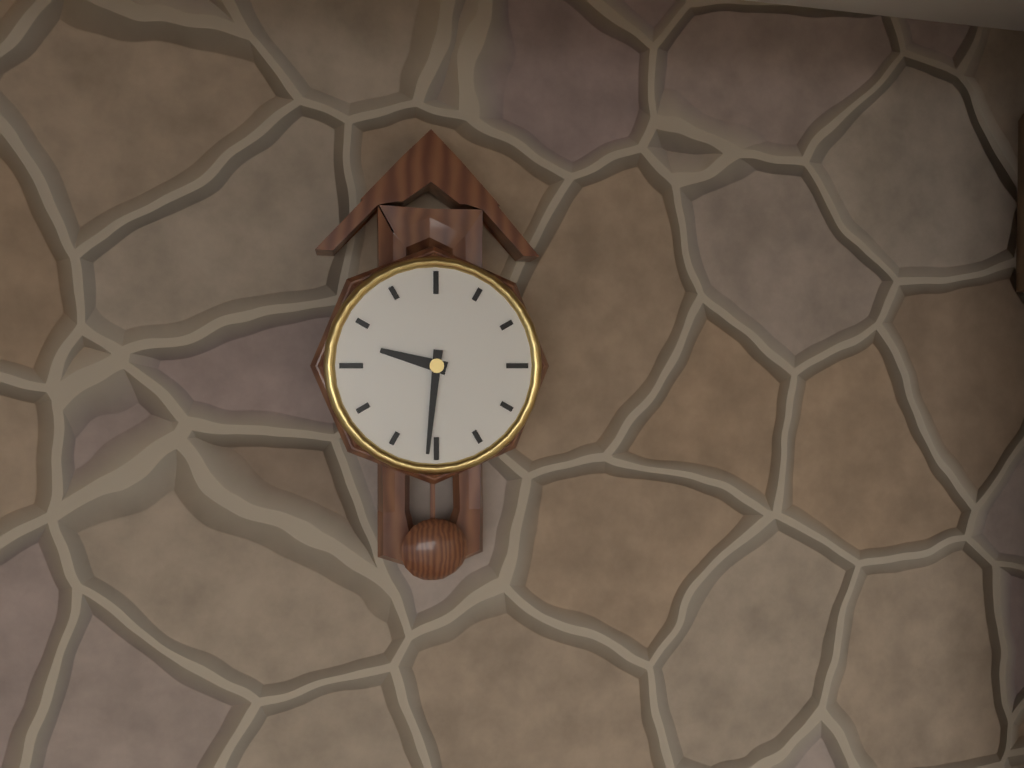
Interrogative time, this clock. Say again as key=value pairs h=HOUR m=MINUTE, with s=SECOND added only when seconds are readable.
h=9 m=31
